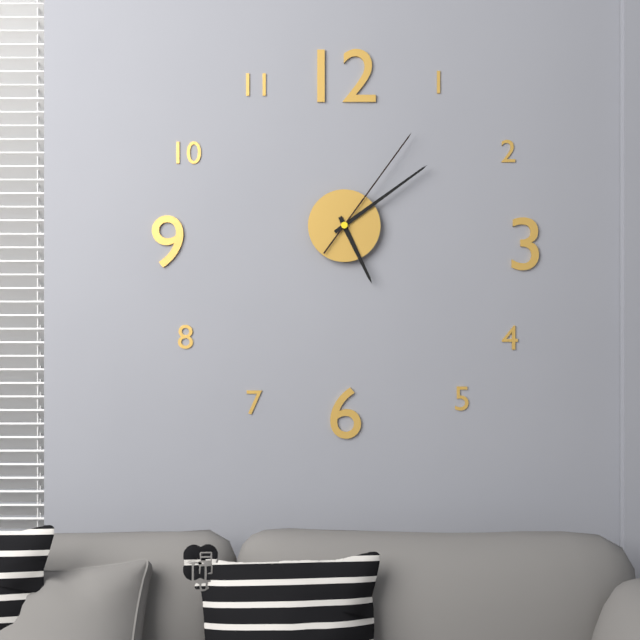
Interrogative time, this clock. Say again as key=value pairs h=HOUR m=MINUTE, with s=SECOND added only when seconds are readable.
h=5 m=9 s=6
